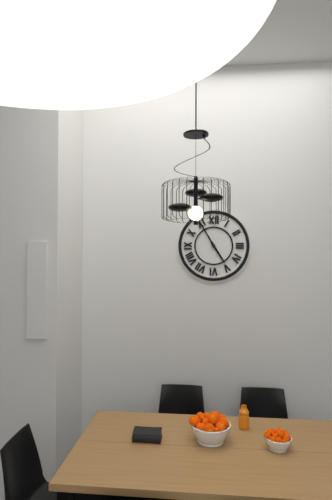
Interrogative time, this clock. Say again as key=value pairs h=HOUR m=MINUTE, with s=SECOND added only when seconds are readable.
h=4 m=55
